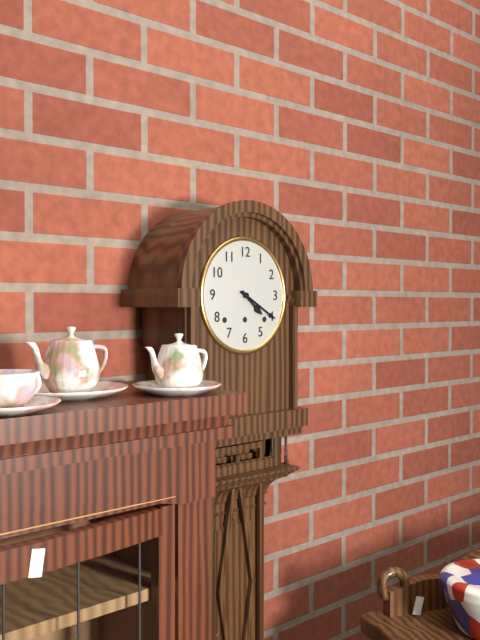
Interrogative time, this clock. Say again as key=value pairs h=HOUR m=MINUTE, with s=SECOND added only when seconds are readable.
h=4 m=20
